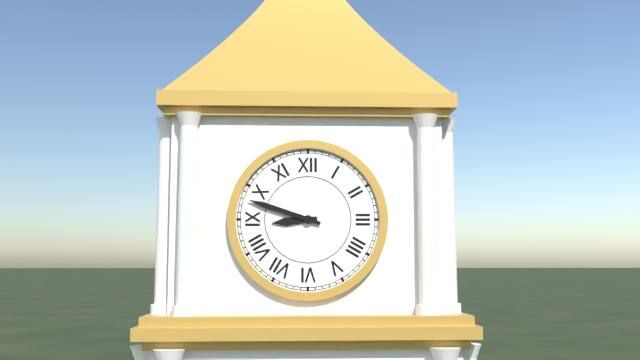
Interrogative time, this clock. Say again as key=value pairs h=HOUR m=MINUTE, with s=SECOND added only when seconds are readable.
h=8 m=48
